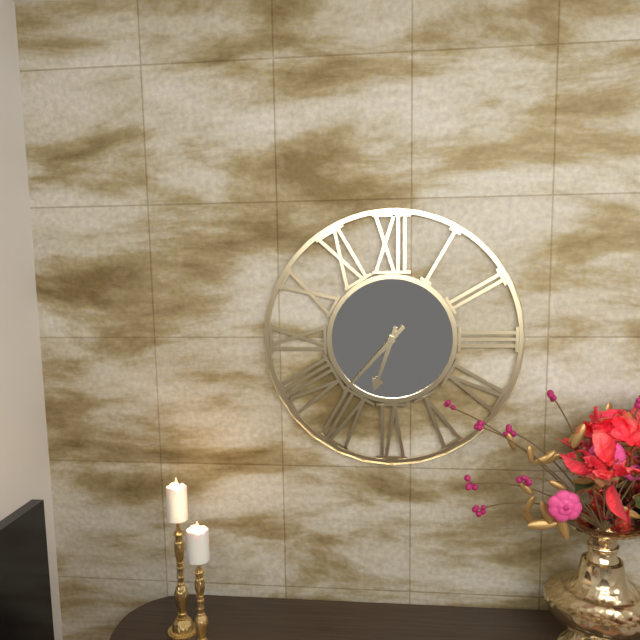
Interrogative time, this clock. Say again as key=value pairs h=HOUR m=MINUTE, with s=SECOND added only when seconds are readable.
h=6 m=37
